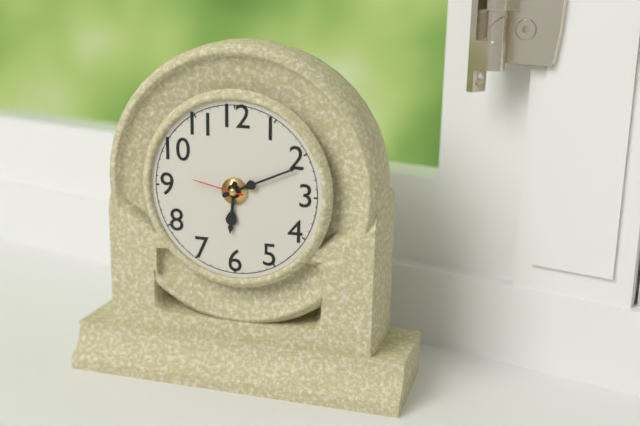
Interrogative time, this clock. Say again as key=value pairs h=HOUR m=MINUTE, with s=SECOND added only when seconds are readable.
h=6 m=11 s=47
